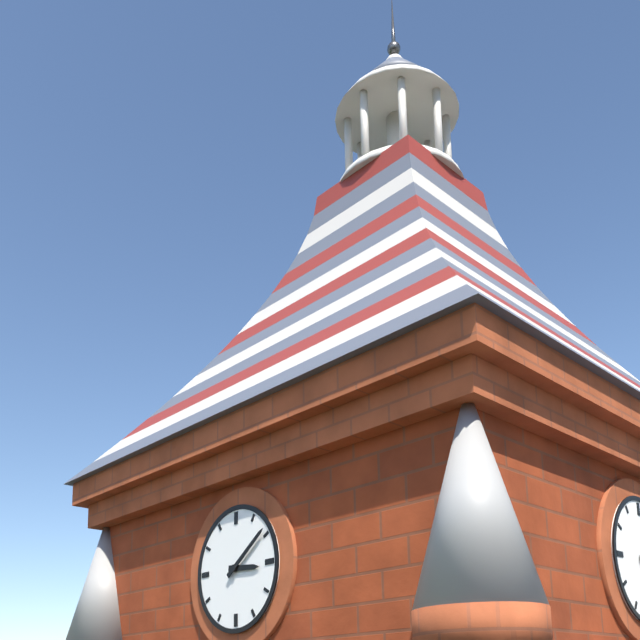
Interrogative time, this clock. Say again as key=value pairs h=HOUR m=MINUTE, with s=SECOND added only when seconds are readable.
h=3 m=9
